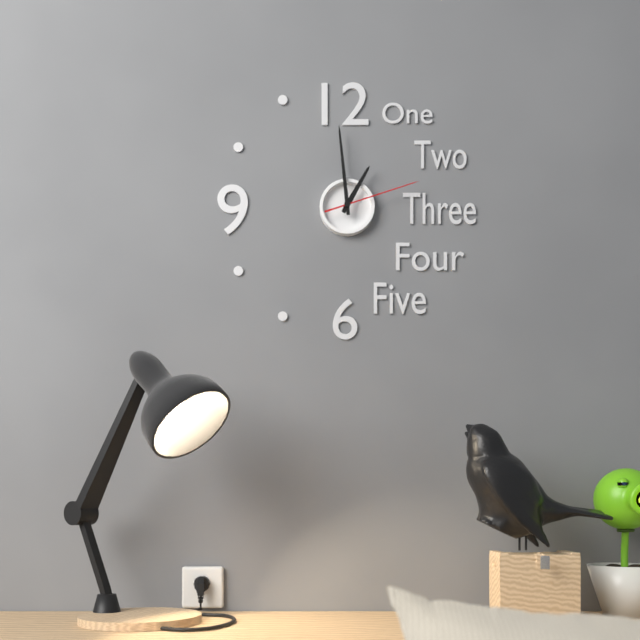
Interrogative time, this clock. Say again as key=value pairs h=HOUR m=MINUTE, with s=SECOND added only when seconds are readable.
h=12 m=59 s=12
